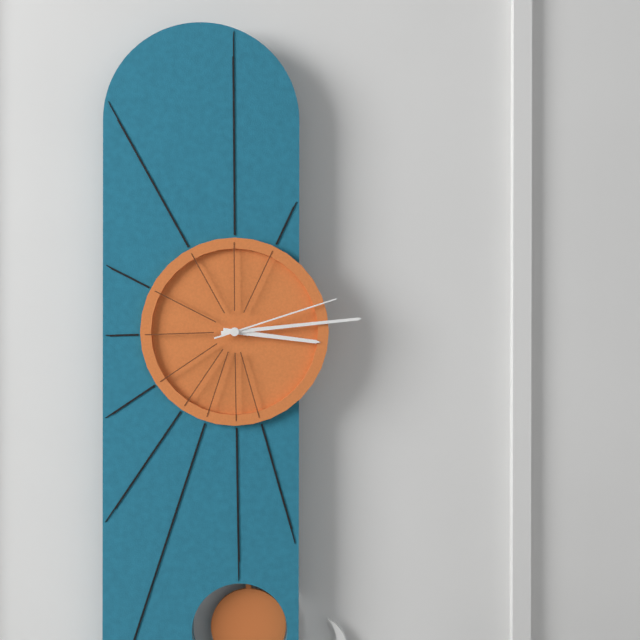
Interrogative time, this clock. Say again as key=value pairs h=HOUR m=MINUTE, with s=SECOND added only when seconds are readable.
h=3 m=14 s=12
